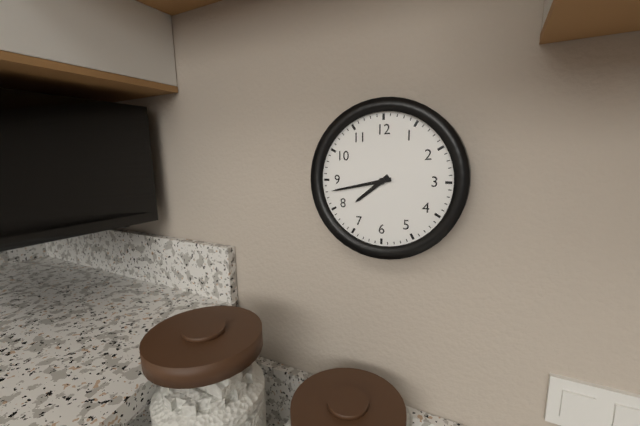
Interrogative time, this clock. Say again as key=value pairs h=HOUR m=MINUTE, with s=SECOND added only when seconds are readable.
h=7 m=43
